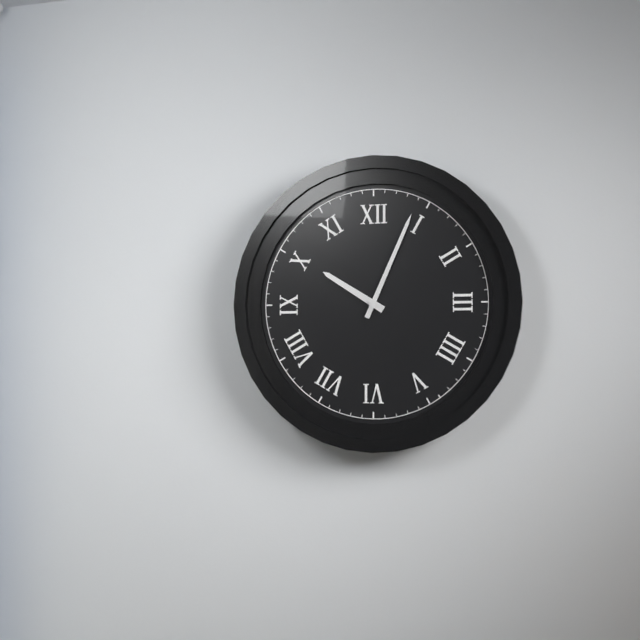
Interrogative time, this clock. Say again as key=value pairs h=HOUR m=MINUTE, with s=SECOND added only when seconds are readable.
h=10 m=4
